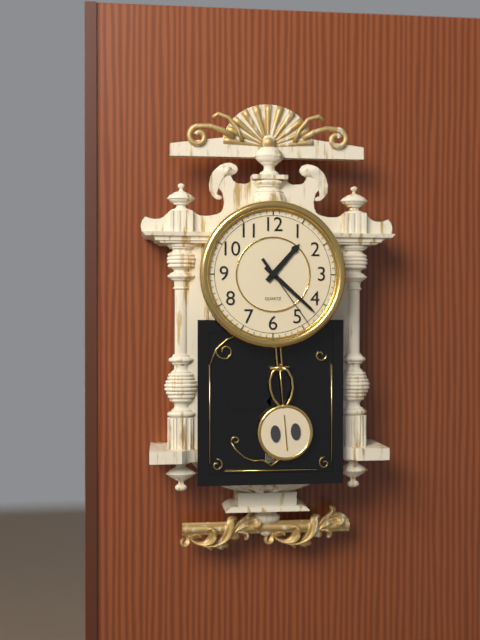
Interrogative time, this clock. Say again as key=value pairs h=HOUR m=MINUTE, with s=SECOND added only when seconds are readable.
h=1 m=22 s=24
